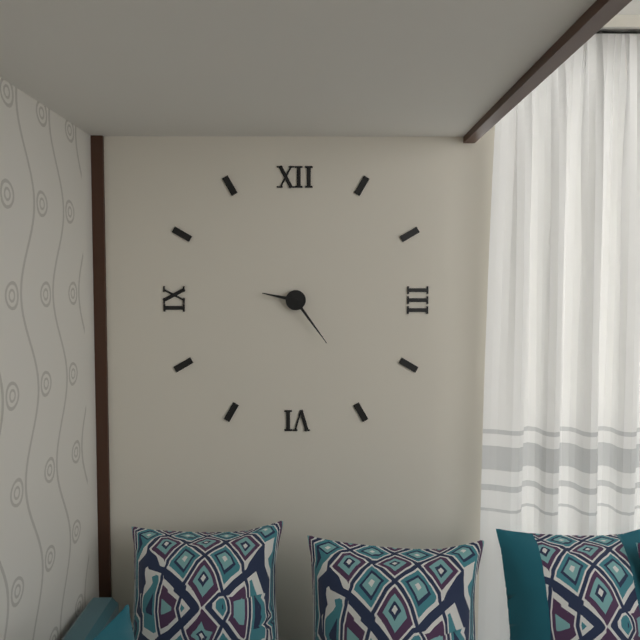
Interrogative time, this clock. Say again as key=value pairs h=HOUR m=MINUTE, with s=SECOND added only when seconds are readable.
h=9 m=24
